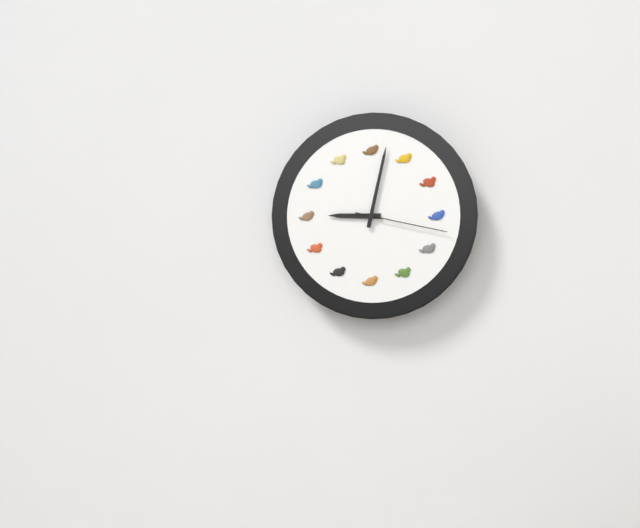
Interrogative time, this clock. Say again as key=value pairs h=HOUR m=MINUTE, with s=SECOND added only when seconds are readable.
h=9 m=2 s=17
